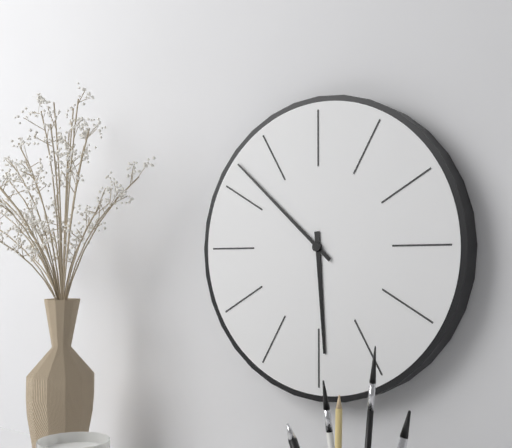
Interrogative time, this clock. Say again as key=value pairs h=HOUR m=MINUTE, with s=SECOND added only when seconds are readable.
h=5 m=52
